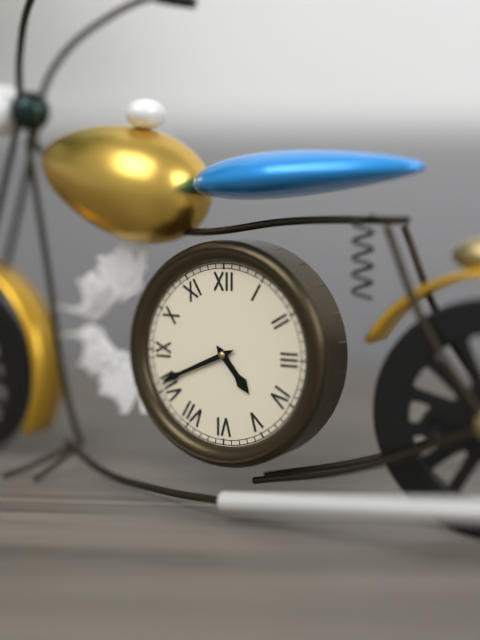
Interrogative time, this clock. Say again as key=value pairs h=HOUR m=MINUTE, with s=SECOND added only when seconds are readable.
h=4 m=41
